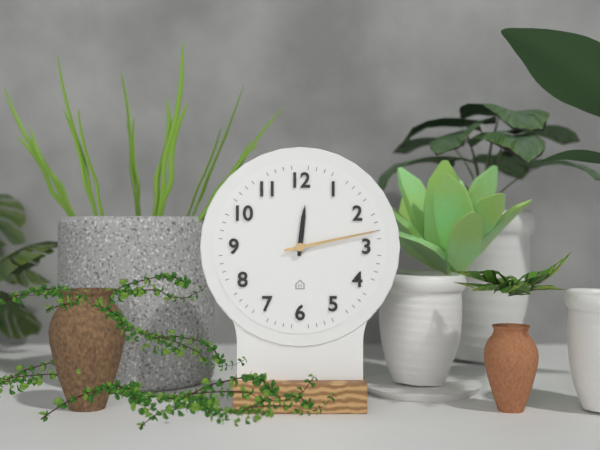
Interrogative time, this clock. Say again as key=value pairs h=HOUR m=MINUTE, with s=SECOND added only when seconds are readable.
h=12 m=13
